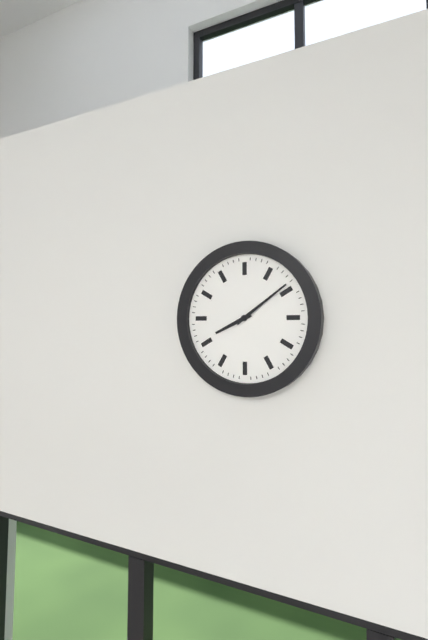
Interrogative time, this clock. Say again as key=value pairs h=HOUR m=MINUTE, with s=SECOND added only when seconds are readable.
h=8 m=9
